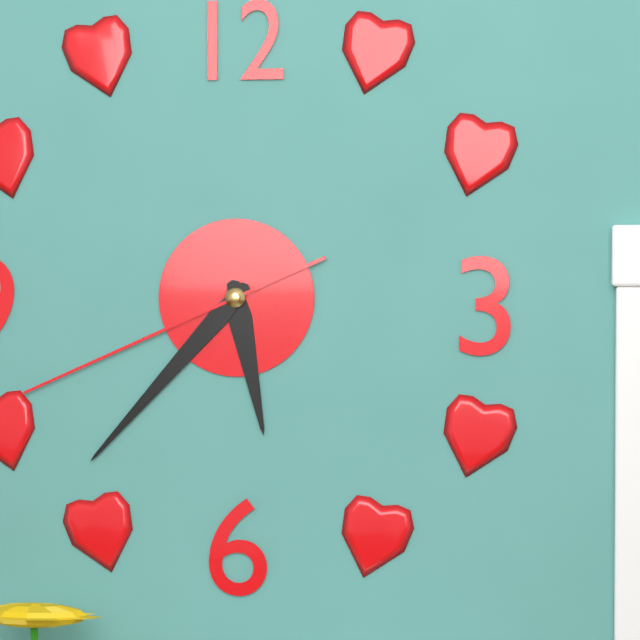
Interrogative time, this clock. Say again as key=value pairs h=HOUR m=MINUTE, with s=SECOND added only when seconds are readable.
h=5 m=37 s=41
